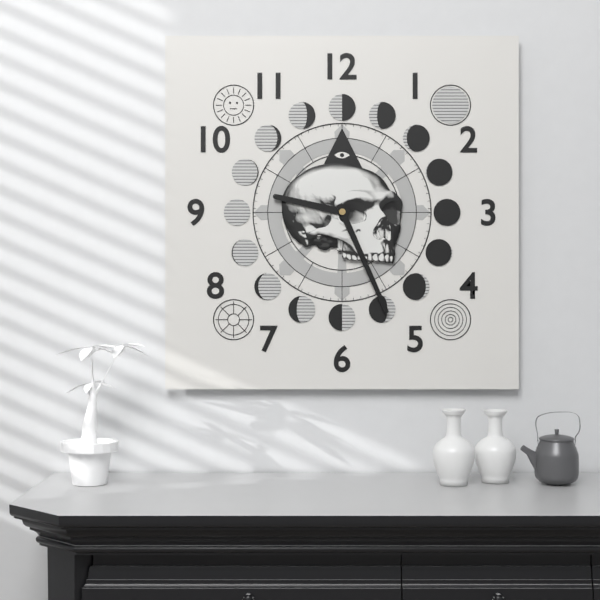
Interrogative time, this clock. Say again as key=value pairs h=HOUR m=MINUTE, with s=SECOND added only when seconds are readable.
h=9 m=26
